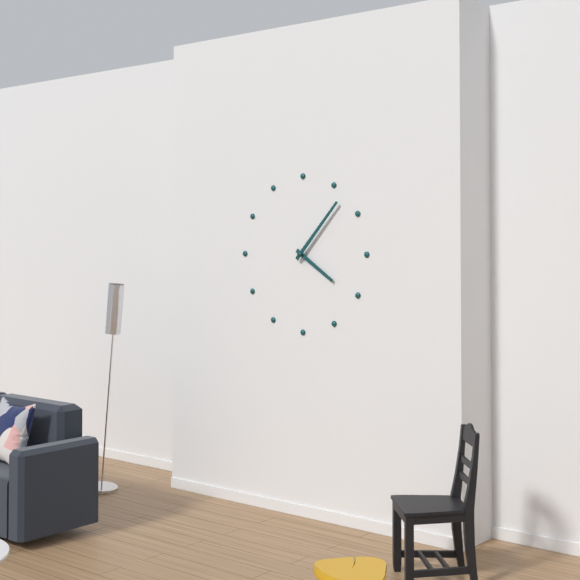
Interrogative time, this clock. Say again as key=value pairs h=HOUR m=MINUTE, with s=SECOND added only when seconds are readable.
h=4 m=7
